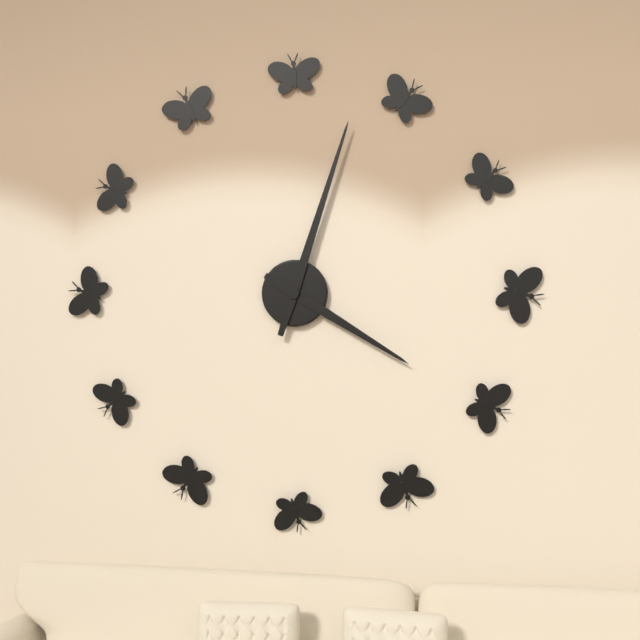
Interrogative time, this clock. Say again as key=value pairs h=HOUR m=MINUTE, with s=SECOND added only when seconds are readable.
h=4 m=3
